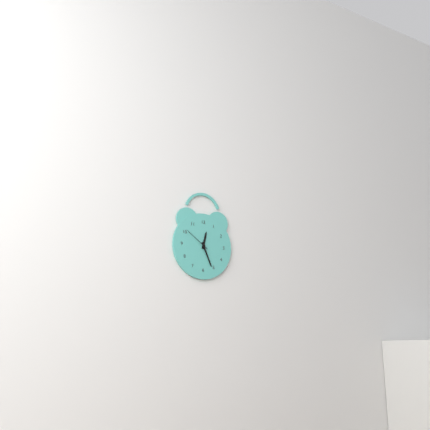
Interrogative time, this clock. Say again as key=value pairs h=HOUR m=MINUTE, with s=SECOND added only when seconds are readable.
h=12 m=26
